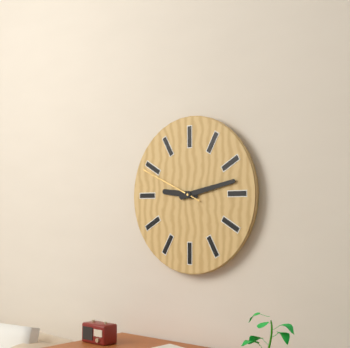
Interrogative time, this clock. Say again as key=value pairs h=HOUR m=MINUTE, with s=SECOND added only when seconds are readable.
h=9 m=13 s=49
